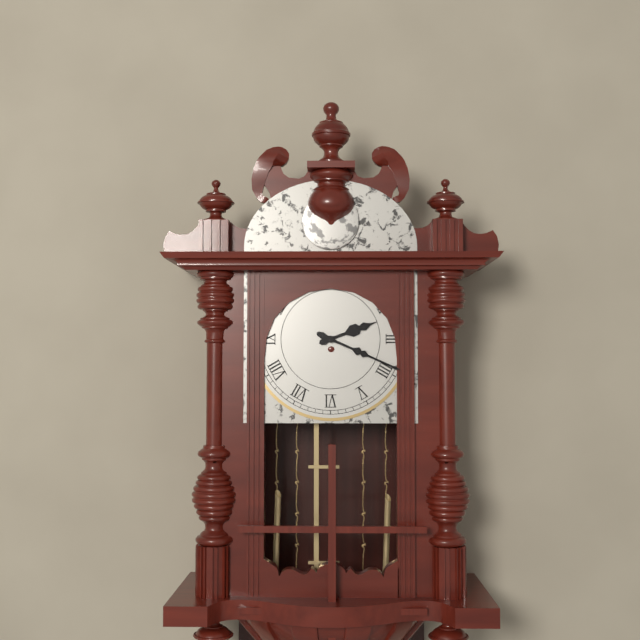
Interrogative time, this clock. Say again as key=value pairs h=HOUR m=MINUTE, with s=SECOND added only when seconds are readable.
h=2 m=19
